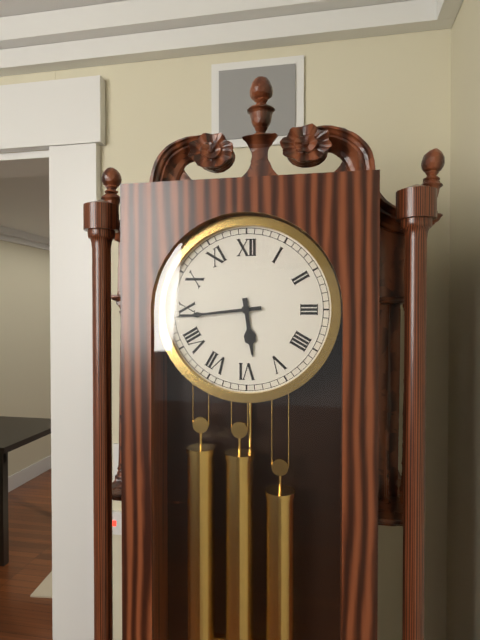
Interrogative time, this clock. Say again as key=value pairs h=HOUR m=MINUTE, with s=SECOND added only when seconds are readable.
h=5 m=44
